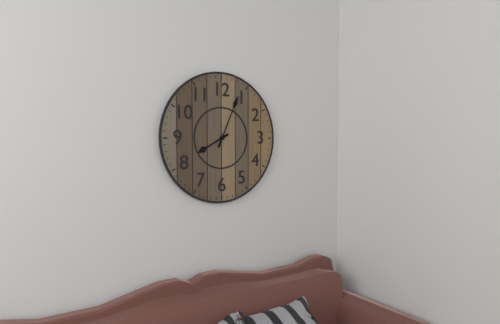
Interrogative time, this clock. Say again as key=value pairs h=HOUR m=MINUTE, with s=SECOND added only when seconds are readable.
h=8 m=4
